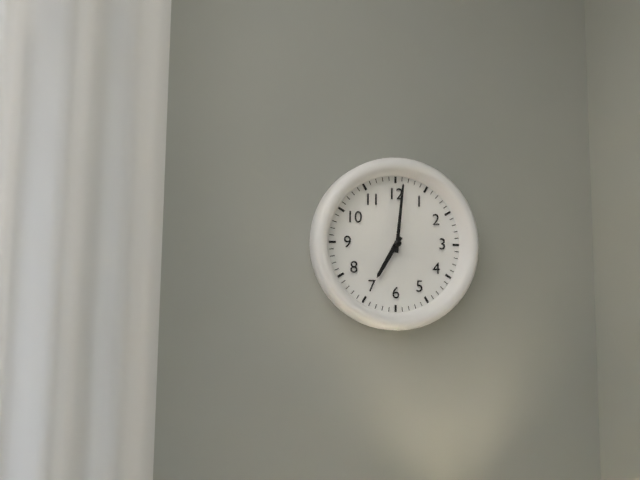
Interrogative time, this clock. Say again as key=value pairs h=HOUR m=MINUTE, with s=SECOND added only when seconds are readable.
h=7 m=1
